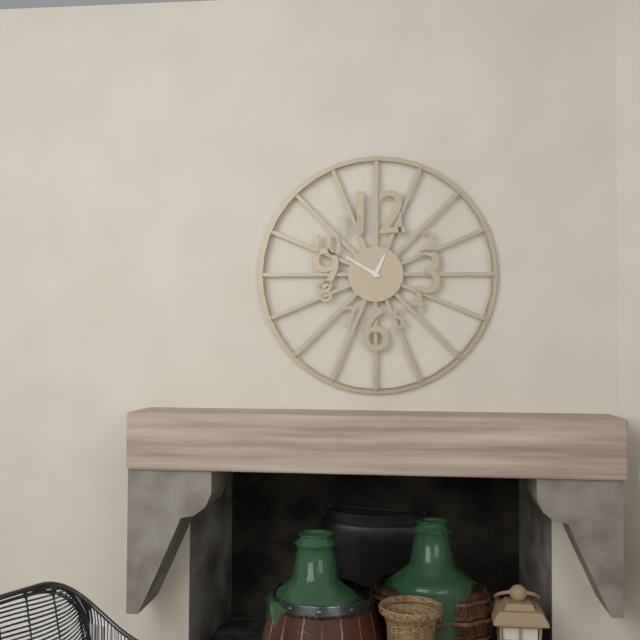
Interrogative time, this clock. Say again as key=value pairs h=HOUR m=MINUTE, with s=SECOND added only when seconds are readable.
h=12 m=50
